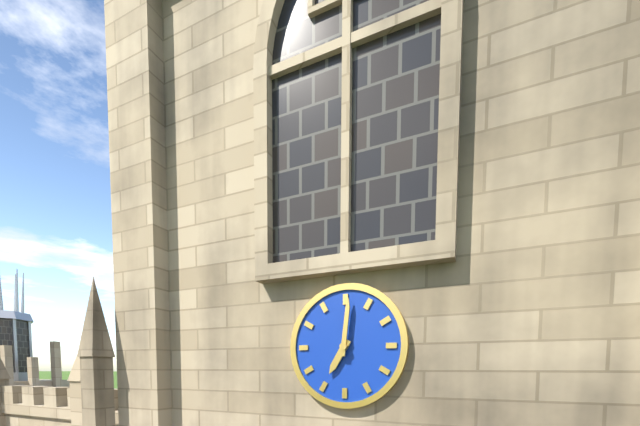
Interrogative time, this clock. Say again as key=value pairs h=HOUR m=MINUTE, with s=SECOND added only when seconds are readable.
h=7 m=1
